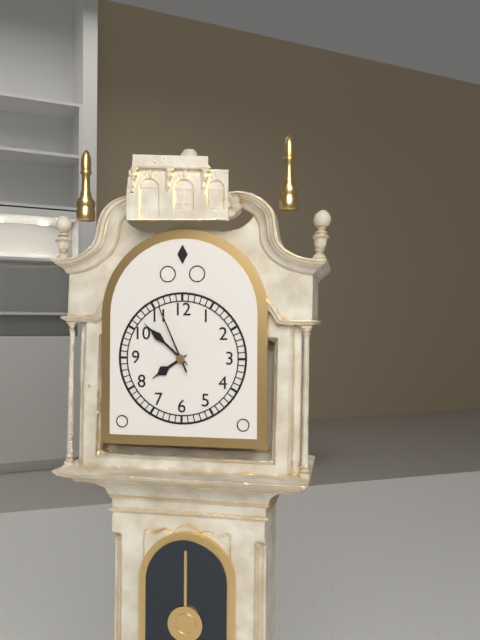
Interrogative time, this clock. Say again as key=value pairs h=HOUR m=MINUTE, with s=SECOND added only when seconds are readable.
h=7 m=52 s=56
